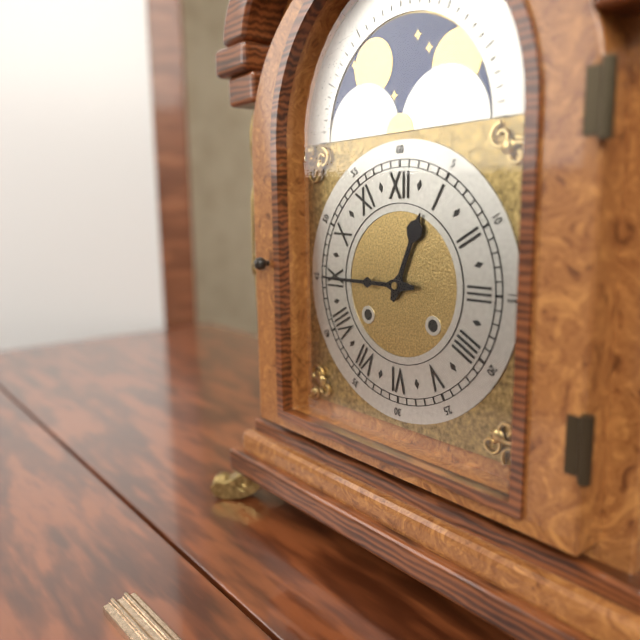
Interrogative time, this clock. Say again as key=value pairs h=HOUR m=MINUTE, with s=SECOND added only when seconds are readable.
h=12 m=45
